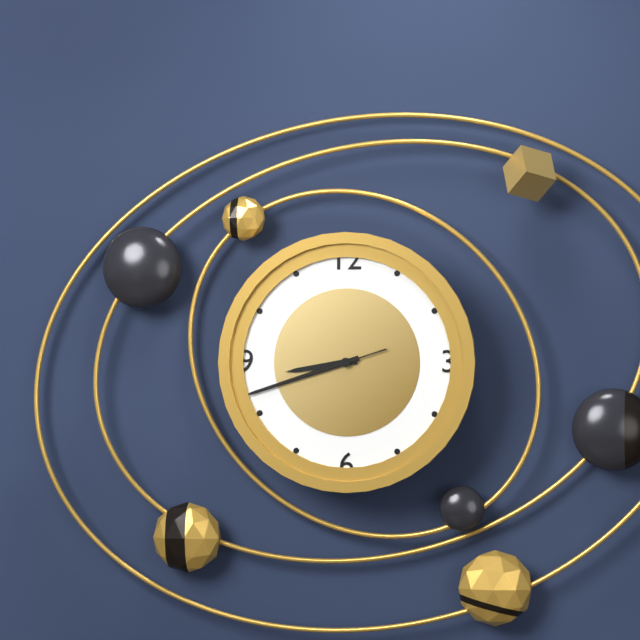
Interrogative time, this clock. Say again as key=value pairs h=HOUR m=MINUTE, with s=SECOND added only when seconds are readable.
h=8 m=42 s=42
